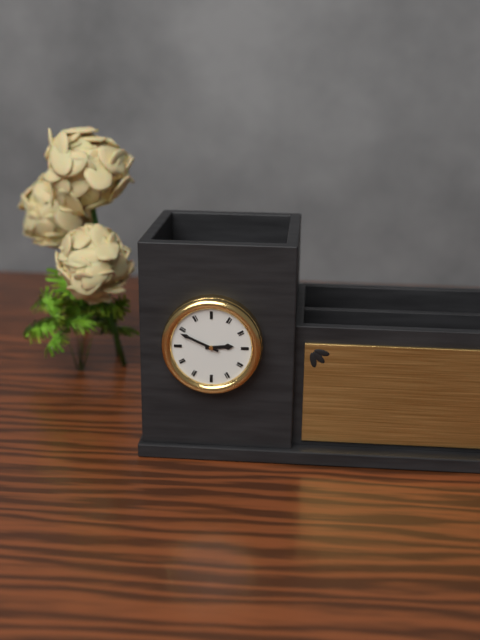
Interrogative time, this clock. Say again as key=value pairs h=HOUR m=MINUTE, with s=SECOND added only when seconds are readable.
h=2 m=49
